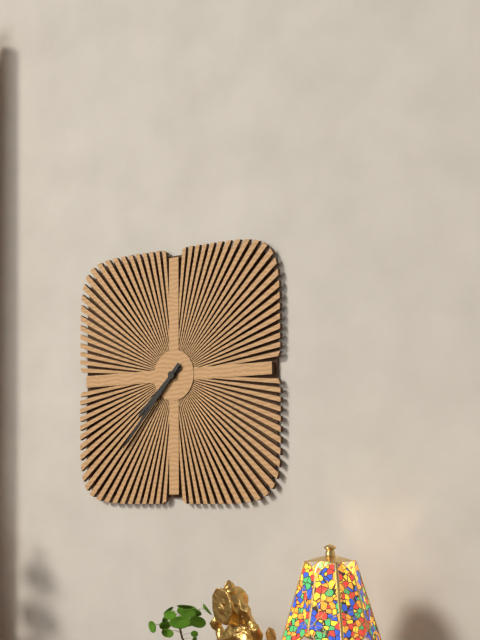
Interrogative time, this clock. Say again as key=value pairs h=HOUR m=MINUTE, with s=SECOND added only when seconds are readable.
h=7 m=37
